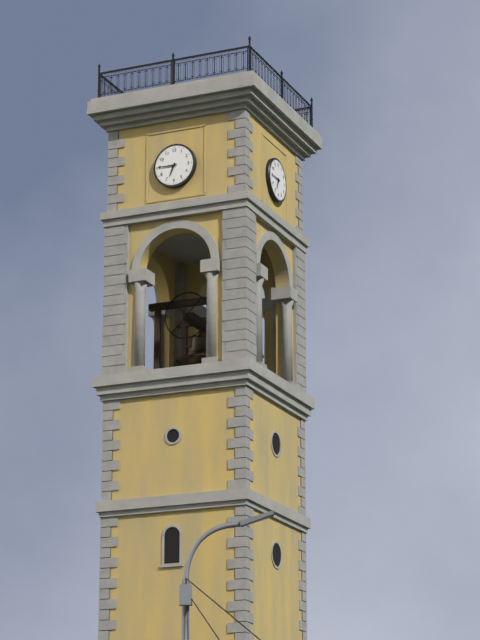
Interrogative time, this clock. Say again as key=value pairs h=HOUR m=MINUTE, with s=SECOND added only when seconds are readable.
h=6 m=45
